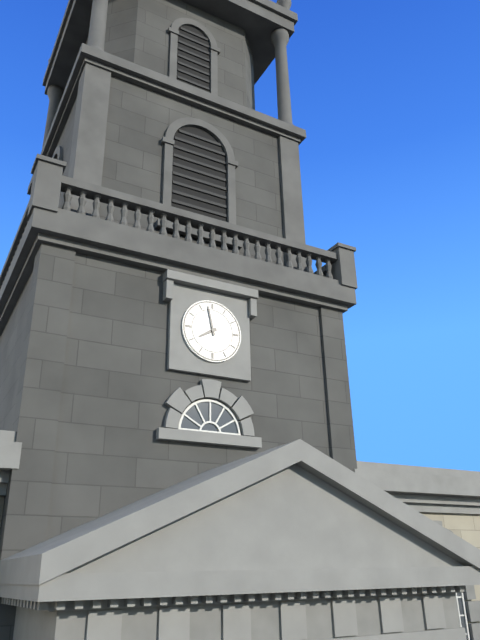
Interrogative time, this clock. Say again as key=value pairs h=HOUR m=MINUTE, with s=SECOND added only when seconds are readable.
h=7 m=58
